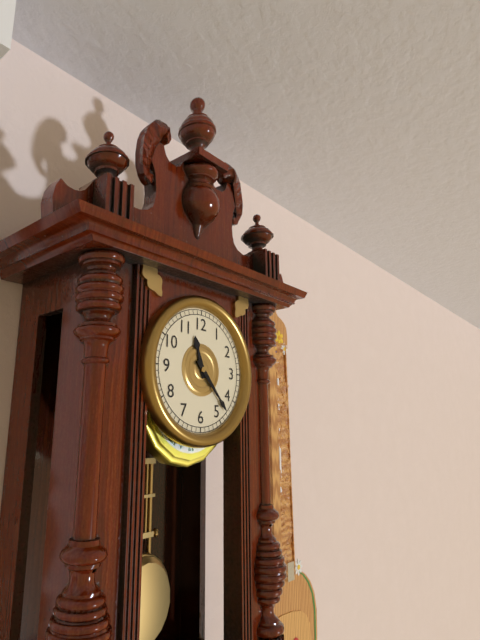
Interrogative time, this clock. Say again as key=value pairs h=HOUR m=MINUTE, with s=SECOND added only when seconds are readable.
h=11 m=23
